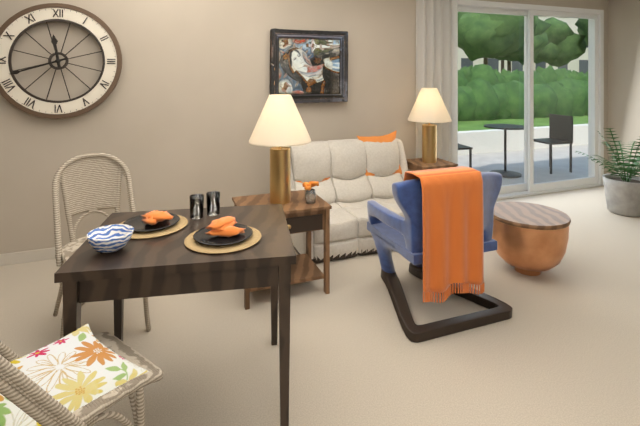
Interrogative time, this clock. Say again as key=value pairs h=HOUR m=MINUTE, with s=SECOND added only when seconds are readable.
h=11 m=42
